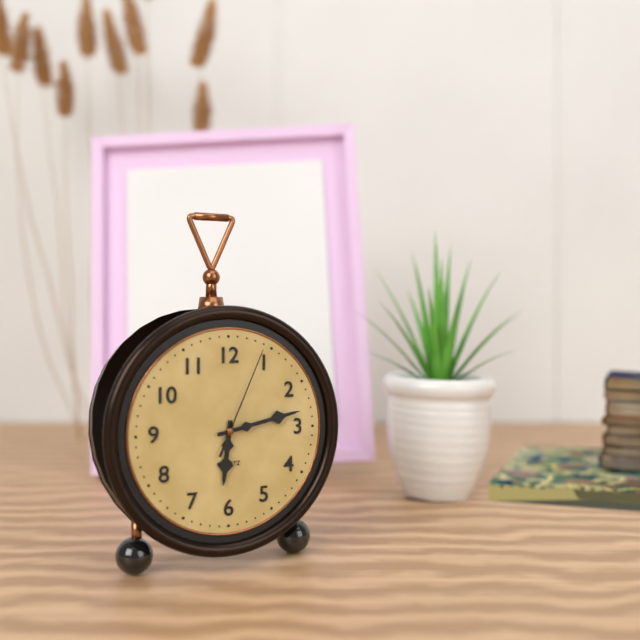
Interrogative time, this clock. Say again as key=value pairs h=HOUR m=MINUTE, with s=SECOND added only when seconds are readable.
h=6 m=13 s=4
